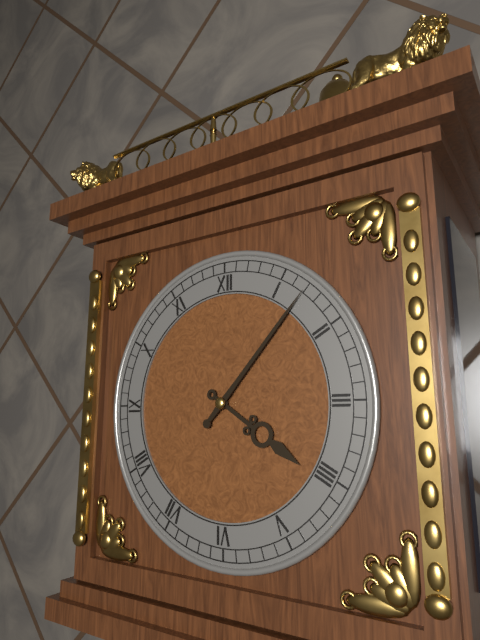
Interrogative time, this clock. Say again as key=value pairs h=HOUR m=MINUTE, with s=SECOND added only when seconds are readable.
h=4 m=7
